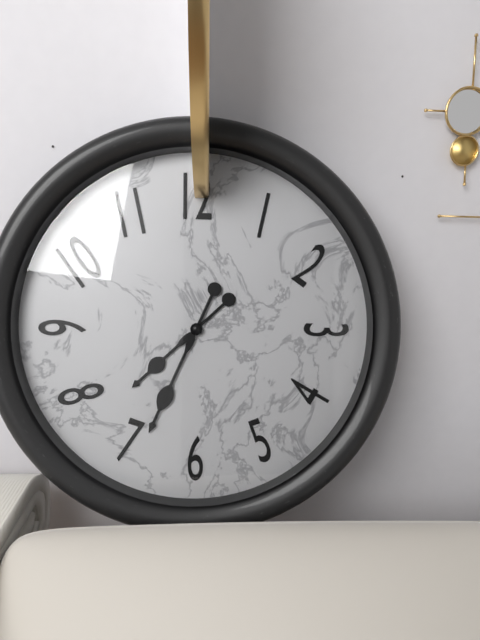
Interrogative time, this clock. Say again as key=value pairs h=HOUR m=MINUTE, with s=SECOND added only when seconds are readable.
h=7 m=34
